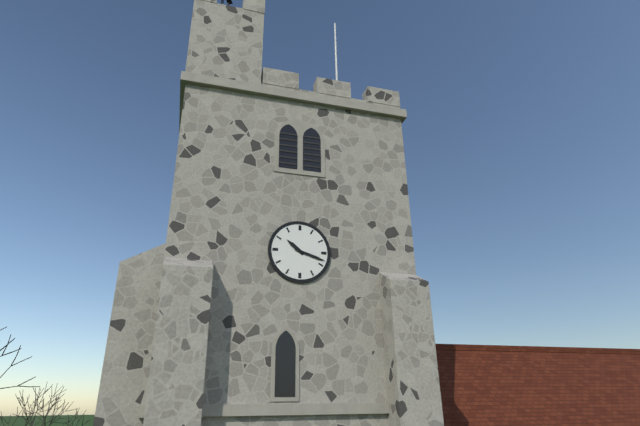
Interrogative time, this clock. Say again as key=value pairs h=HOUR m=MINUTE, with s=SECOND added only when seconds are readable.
h=10 m=18
